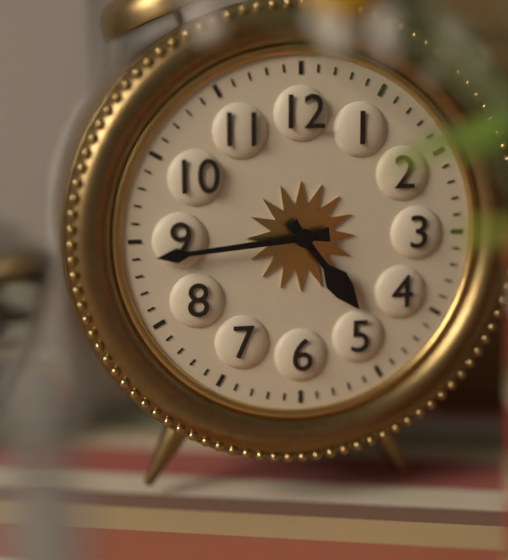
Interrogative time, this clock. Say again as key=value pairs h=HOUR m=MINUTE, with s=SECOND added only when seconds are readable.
h=4 m=44
